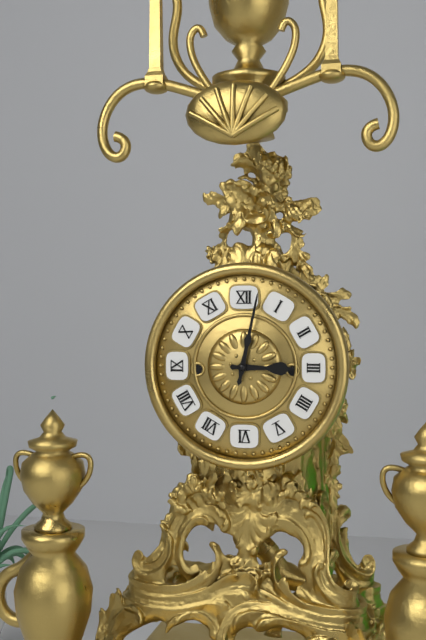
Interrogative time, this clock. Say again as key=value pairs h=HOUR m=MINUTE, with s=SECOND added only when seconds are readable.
h=3 m=2
